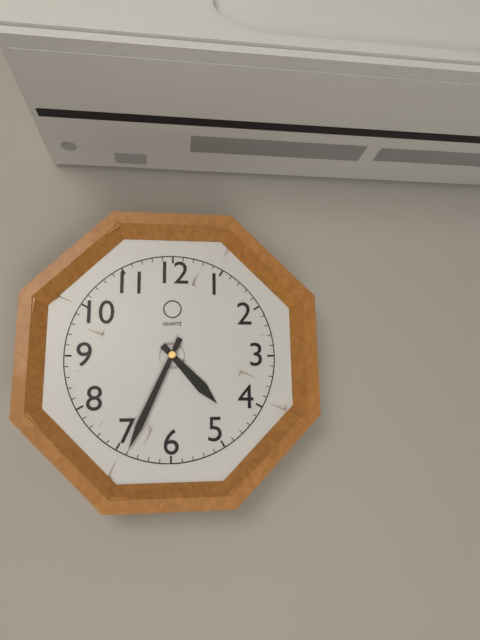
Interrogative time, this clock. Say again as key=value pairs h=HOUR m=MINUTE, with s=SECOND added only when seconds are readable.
h=4 m=34
